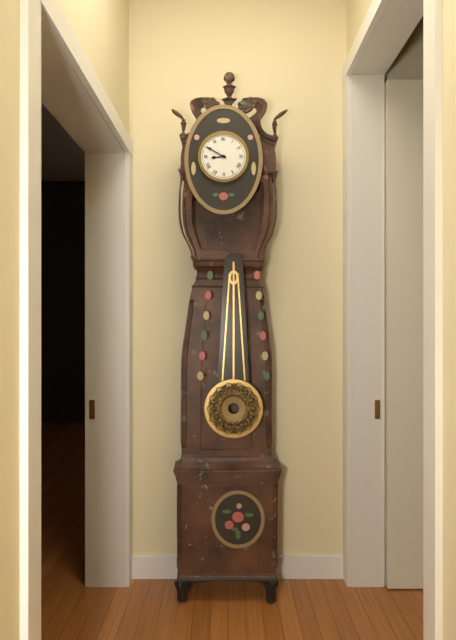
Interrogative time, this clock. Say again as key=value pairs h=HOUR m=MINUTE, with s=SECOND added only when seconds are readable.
h=8 m=50
